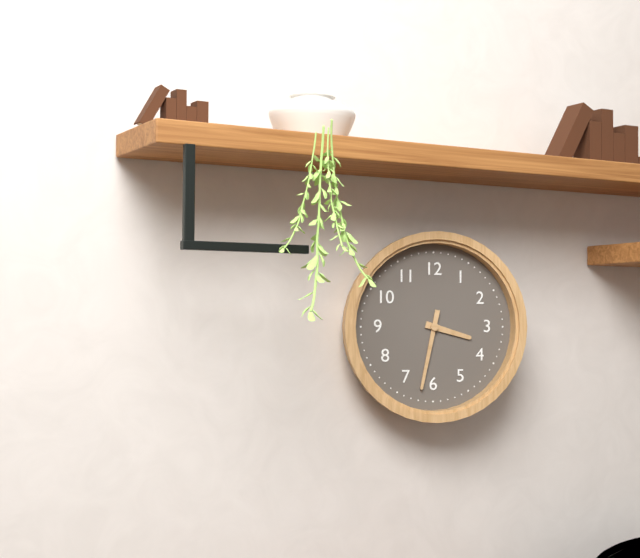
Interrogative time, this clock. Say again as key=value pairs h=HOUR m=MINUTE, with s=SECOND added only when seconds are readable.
h=3 m=32
